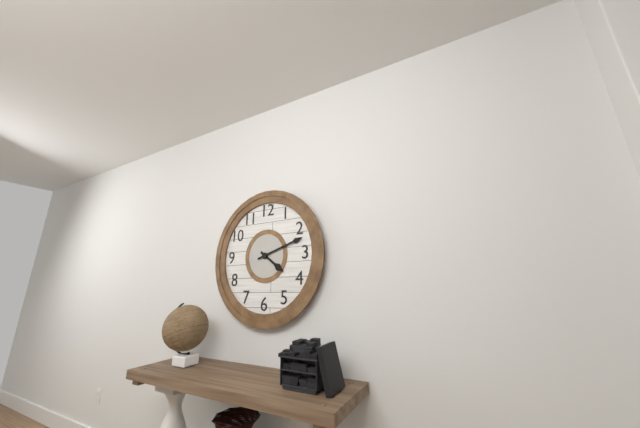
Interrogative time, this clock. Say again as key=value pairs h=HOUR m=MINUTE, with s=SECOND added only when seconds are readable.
h=4 m=12
